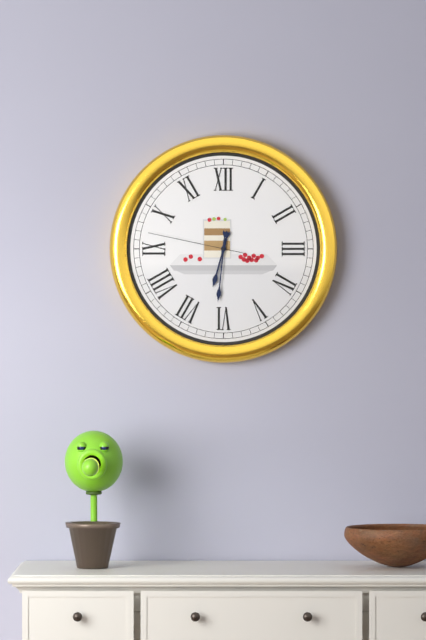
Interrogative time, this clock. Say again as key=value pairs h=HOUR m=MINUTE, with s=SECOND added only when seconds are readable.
h=6 m=31 s=47
